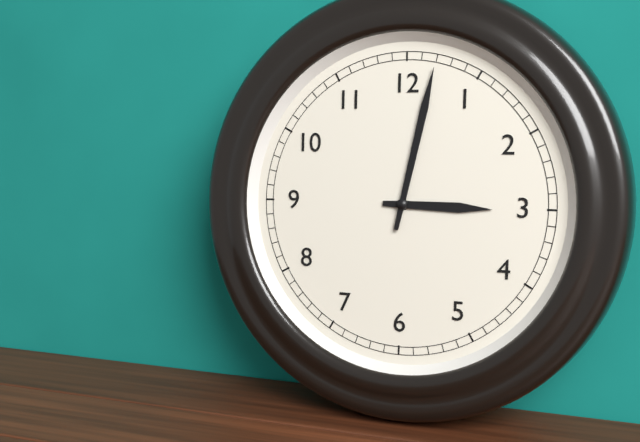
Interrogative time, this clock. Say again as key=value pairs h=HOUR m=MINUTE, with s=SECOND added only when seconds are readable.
h=3 m=2
